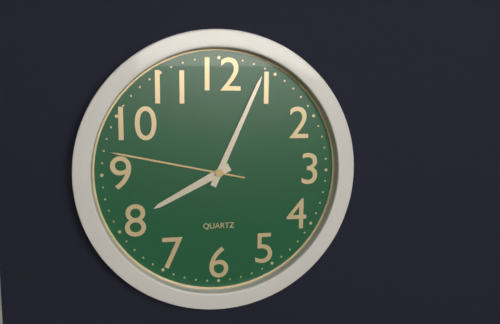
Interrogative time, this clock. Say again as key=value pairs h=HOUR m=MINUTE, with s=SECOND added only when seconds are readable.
h=8 m=4 s=47
